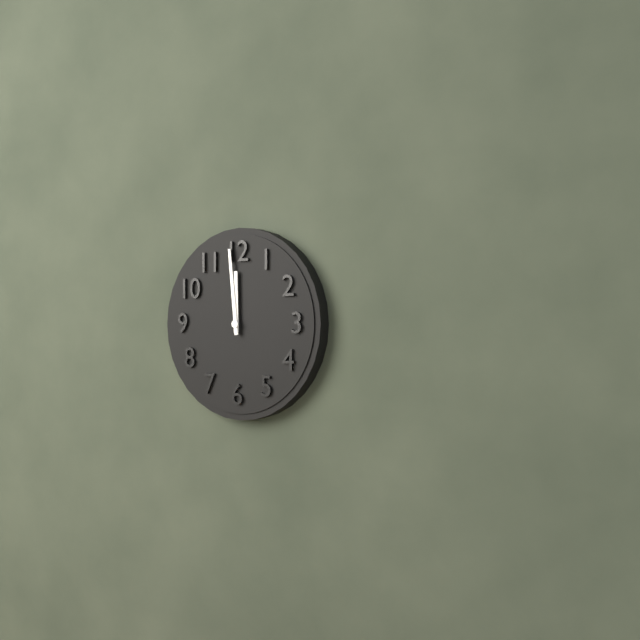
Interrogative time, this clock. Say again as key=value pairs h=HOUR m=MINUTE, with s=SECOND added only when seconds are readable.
h=11 m=59
